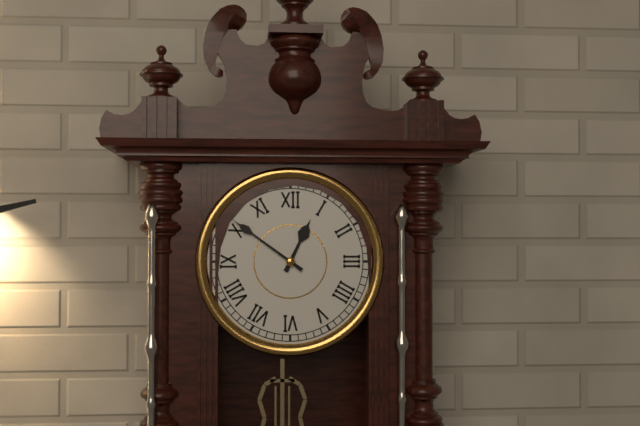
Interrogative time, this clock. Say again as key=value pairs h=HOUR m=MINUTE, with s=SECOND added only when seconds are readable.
h=12 m=51
